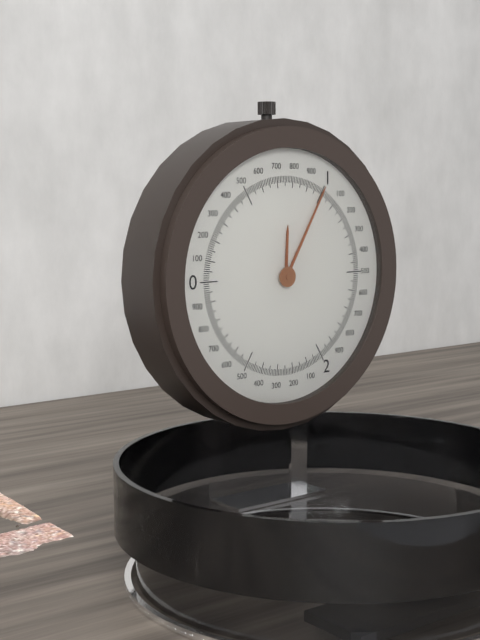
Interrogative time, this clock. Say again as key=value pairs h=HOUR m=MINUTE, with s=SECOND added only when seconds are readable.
h=12 m=5
